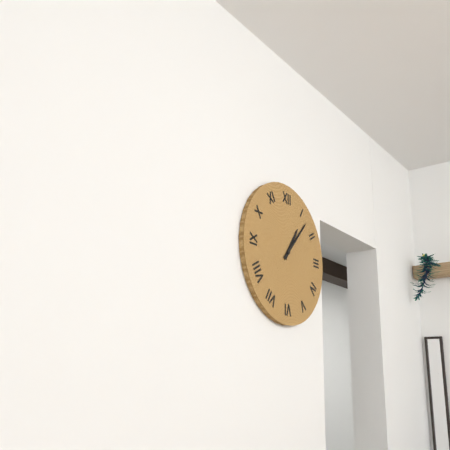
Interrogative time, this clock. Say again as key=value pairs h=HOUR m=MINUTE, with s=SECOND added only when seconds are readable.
h=1 m=7
